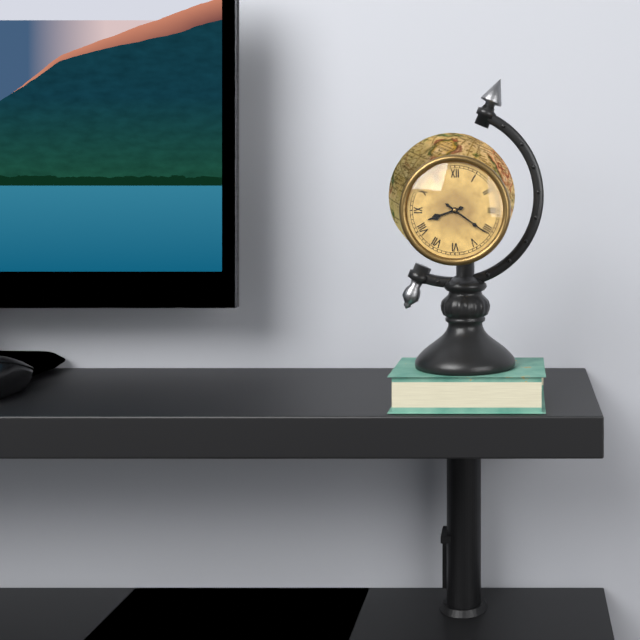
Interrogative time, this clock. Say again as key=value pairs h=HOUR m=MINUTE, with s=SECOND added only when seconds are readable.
h=8 m=21
